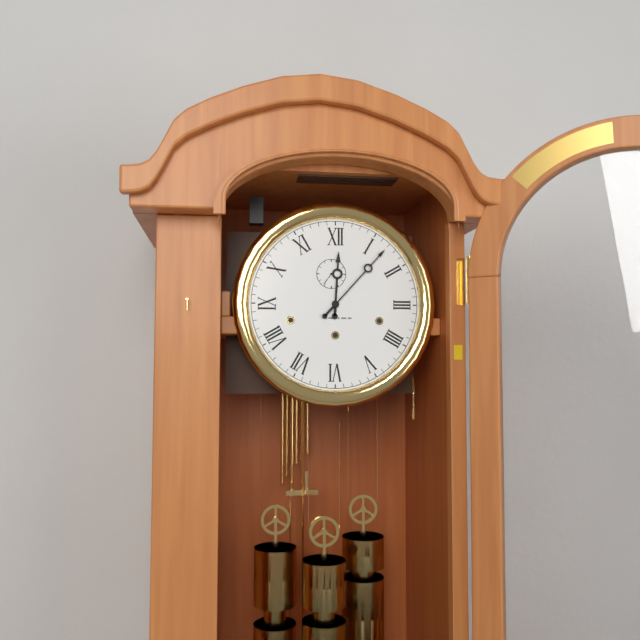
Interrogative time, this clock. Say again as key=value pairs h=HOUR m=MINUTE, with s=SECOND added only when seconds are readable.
h=12 m=7
